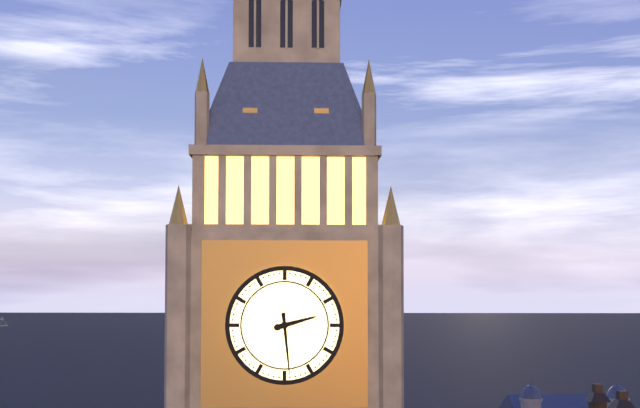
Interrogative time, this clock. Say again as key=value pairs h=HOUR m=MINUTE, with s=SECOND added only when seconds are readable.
h=2 m=29
